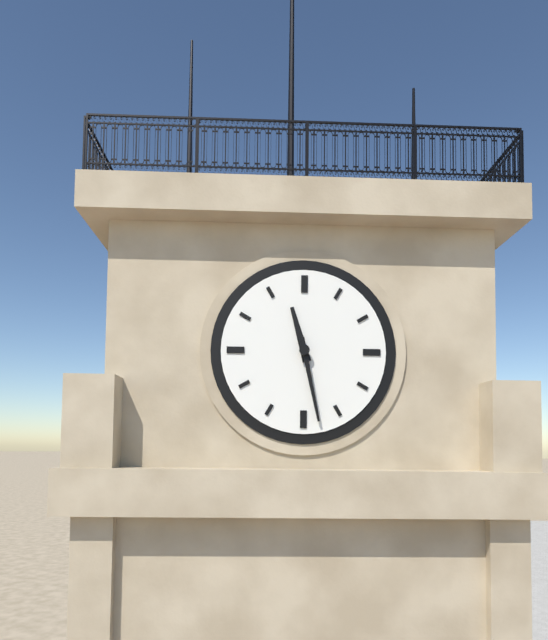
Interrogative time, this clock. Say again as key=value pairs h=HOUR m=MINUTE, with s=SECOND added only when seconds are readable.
h=11 m=28
